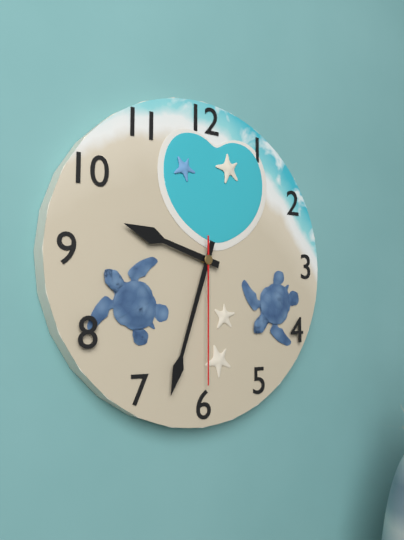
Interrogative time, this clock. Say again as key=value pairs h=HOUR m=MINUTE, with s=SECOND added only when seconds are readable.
h=9 m=33 s=30
